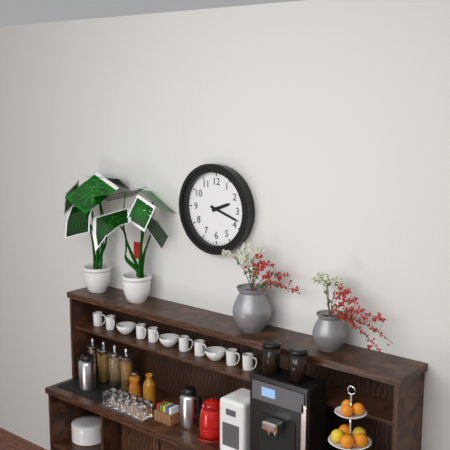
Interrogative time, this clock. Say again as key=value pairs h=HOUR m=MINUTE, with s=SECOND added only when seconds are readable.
h=2 m=18
